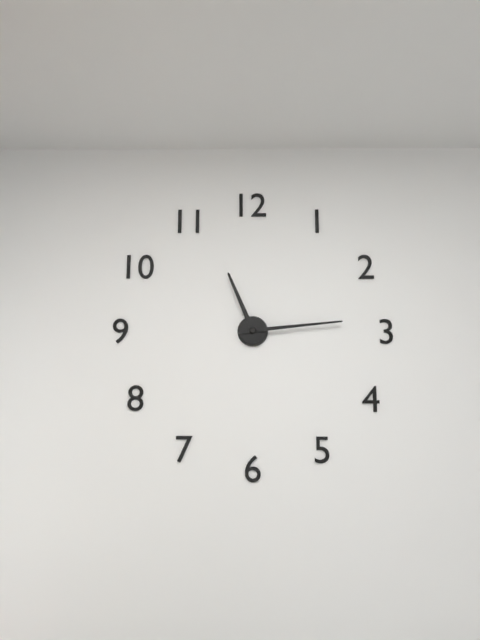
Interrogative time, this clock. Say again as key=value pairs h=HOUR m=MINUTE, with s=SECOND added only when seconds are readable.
h=11 m=14
